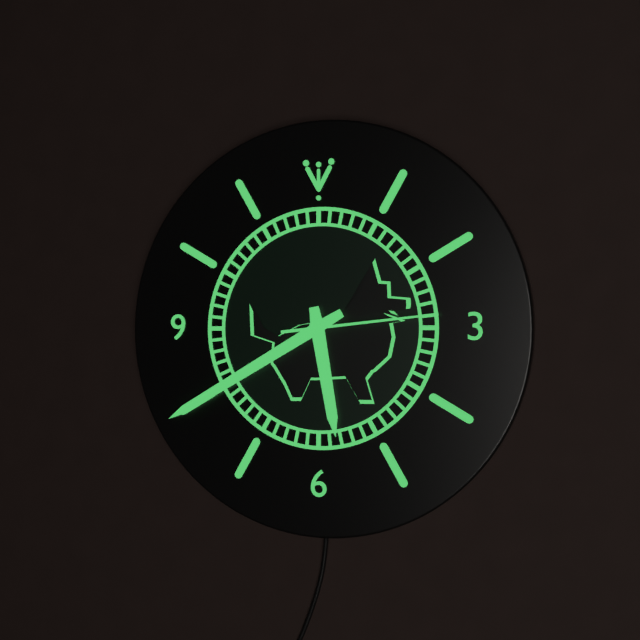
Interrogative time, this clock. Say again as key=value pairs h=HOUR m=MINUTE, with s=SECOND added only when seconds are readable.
h=5 m=40 s=14
